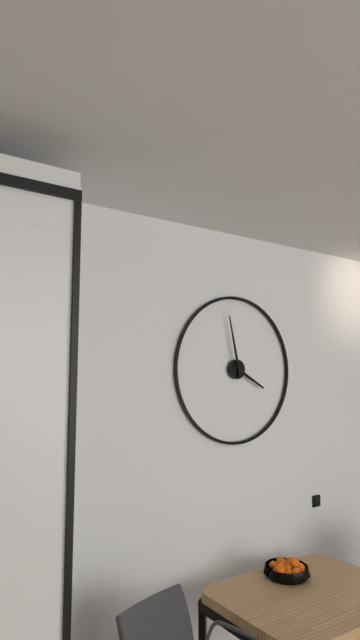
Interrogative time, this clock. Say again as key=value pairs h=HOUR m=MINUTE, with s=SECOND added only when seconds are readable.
h=3 m=58
